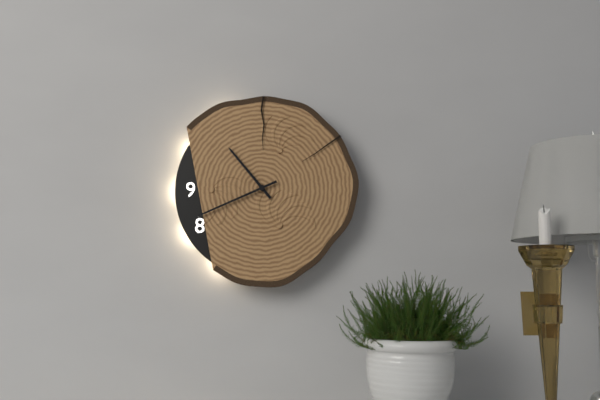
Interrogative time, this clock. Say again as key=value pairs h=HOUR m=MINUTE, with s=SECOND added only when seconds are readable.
h=10 m=41
